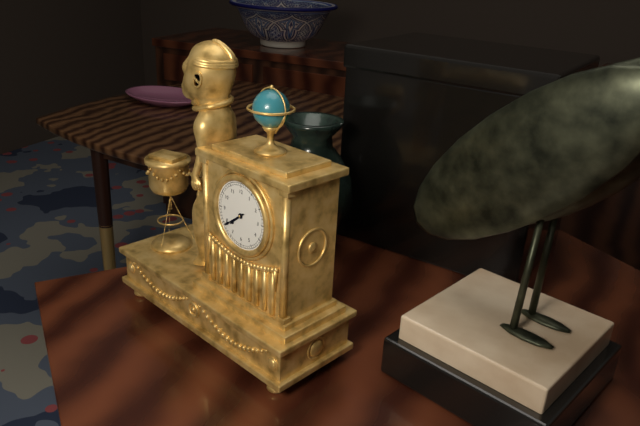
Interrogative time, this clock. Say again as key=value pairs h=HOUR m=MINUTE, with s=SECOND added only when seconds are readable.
h=7 m=39
